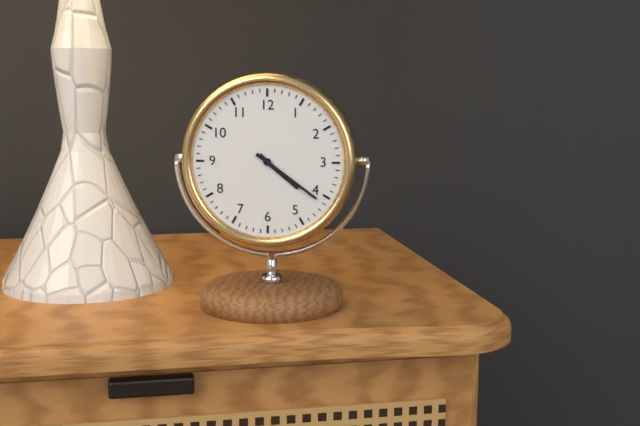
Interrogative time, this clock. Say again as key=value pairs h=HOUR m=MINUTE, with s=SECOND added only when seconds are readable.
h=4 m=21
